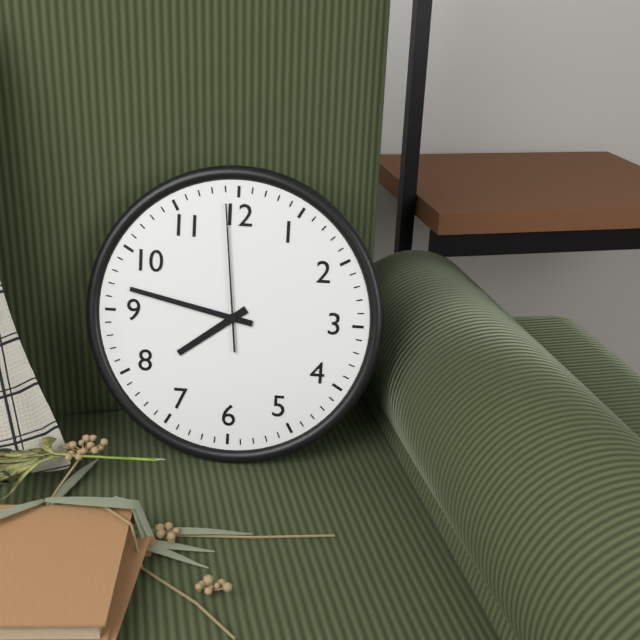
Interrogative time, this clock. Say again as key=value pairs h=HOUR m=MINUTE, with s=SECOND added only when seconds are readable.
h=7 m=47 s=59
